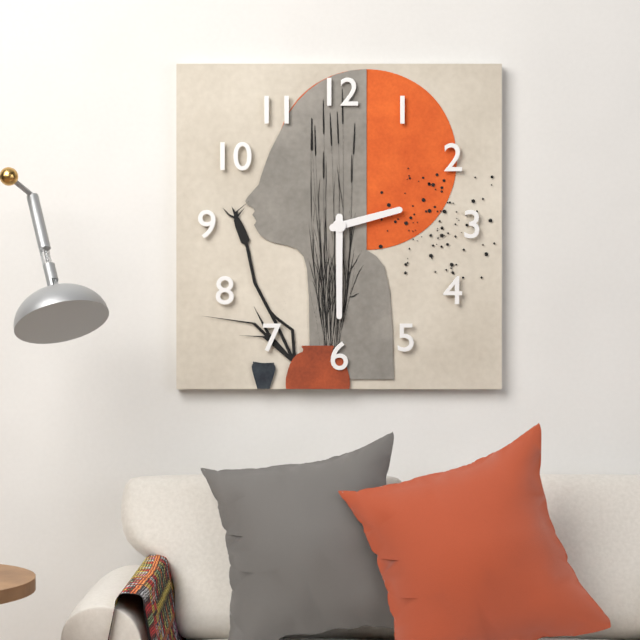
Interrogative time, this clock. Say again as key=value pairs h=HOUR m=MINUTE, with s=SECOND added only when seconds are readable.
h=2 m=30
